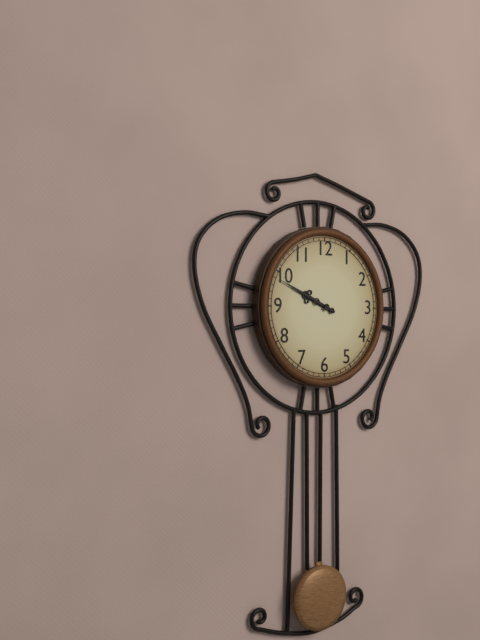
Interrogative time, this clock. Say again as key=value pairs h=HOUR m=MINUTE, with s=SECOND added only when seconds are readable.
h=9 m=49
